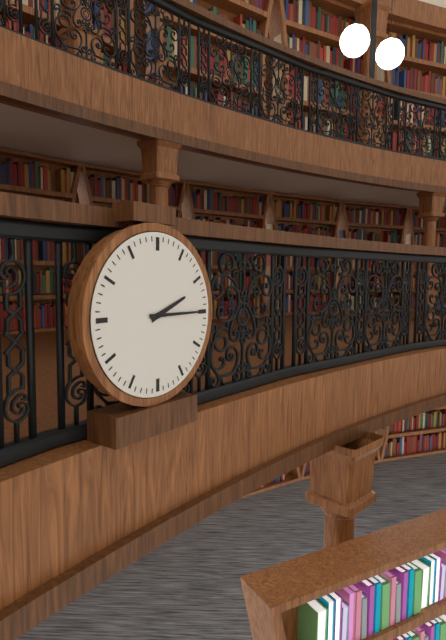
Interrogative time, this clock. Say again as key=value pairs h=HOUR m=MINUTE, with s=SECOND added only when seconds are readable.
h=2 m=15
